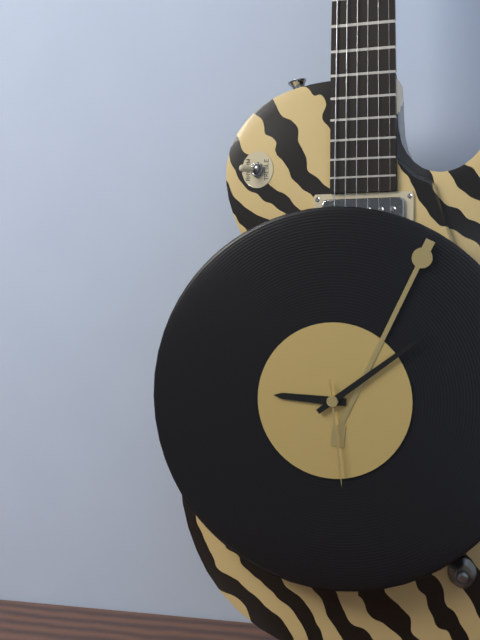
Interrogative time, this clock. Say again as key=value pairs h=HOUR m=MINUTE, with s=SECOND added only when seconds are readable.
h=9 m=9 s=29
